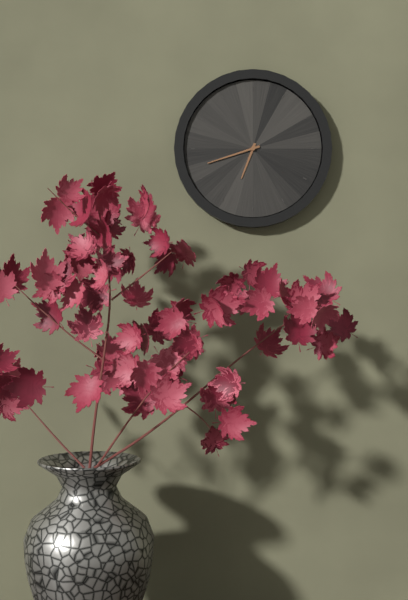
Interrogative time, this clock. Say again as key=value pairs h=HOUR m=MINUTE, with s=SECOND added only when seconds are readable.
h=6 m=42
